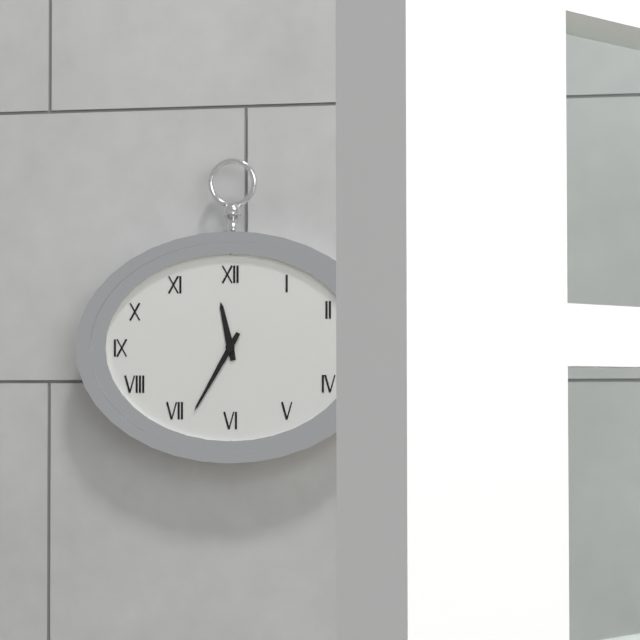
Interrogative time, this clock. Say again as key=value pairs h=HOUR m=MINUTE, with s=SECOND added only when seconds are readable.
h=11 m=35
